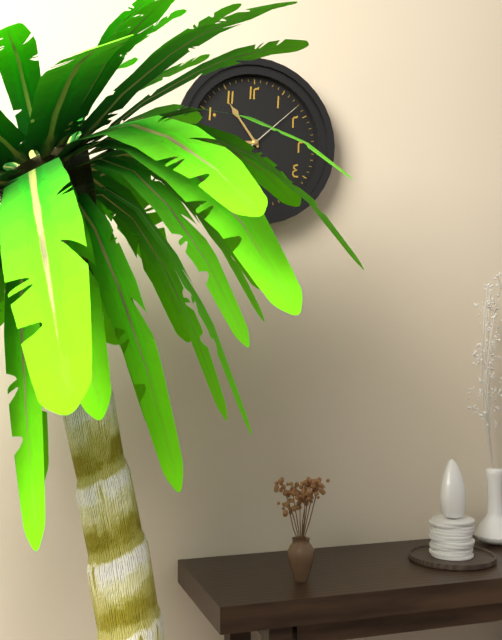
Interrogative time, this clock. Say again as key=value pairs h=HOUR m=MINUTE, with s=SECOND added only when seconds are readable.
h=8 m=54 s=8
